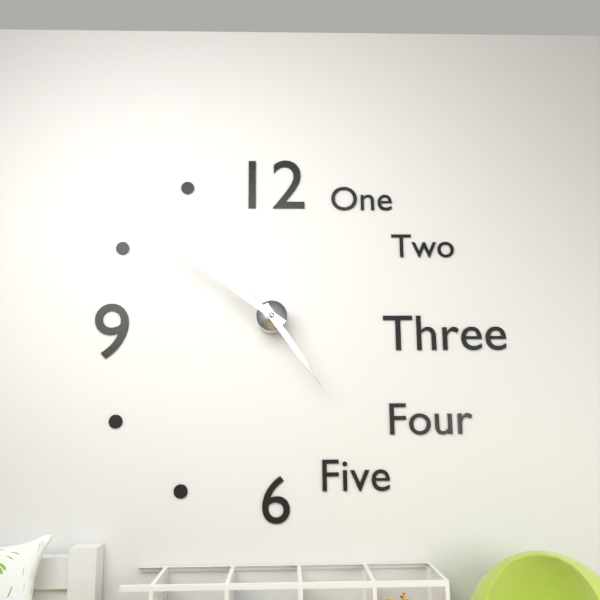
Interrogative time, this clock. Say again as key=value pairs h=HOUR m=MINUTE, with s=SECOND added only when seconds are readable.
h=4 m=51
